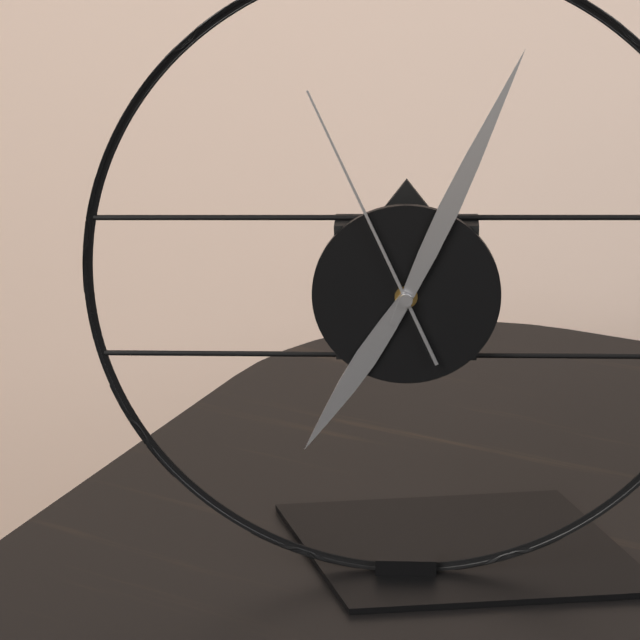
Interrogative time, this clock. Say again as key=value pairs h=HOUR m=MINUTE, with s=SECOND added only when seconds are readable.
h=7 m=4 s=56
